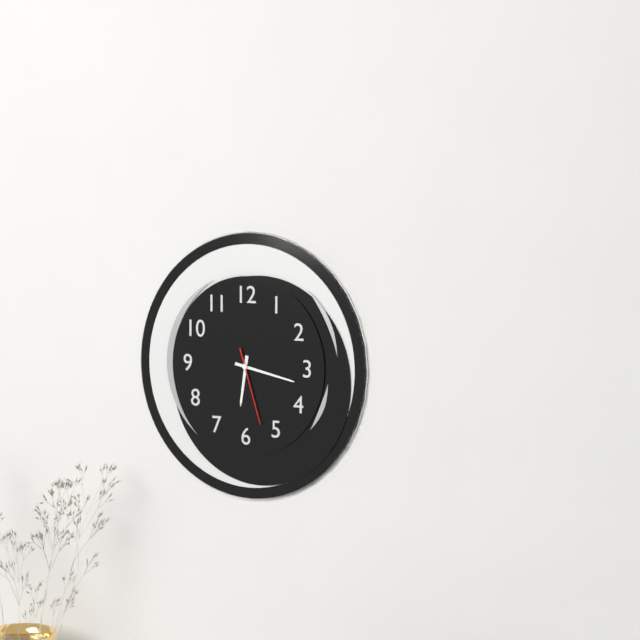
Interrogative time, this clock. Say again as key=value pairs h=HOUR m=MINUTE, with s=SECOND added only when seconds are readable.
h=6 m=17 s=27
